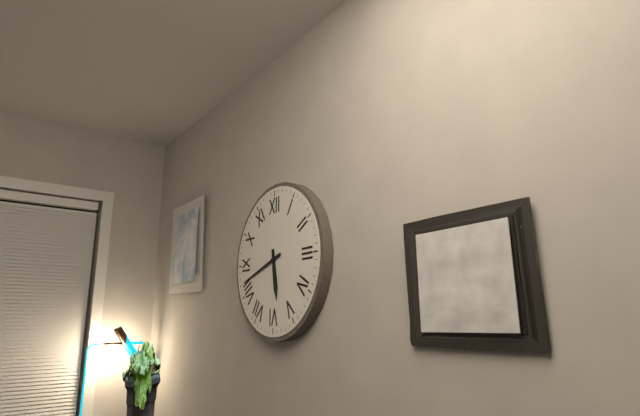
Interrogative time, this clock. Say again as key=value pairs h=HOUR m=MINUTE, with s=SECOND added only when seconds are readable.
h=5 m=42
